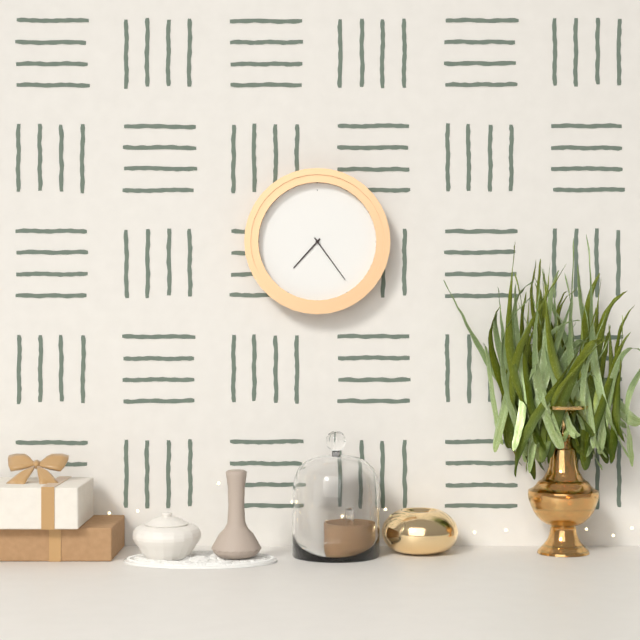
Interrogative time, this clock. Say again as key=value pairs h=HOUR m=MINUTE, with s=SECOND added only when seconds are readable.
h=7 m=24
